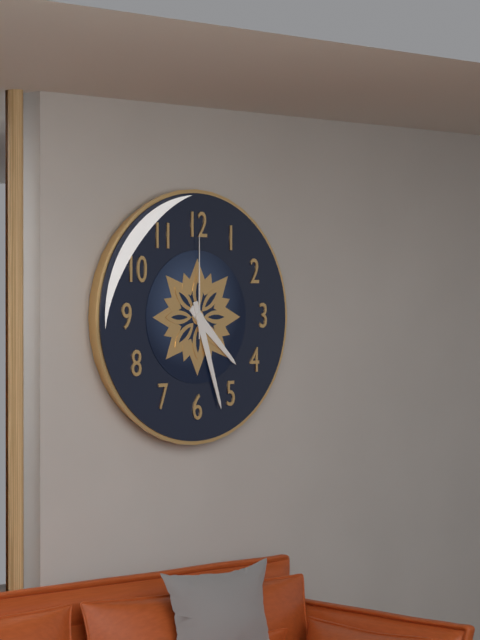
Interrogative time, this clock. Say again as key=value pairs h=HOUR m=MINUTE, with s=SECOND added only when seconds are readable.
h=4 m=27 s=0
